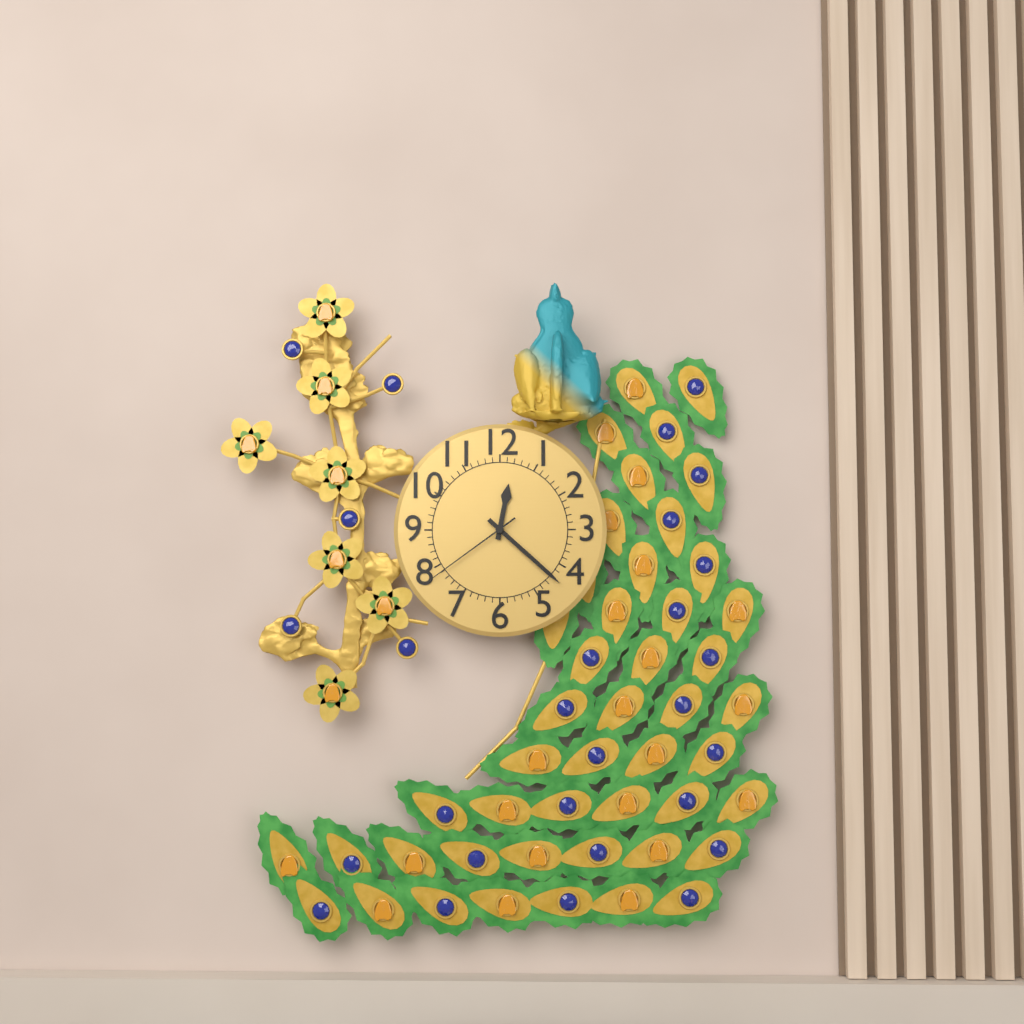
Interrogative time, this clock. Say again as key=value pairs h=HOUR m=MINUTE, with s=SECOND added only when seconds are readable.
h=12 m=22 s=39
